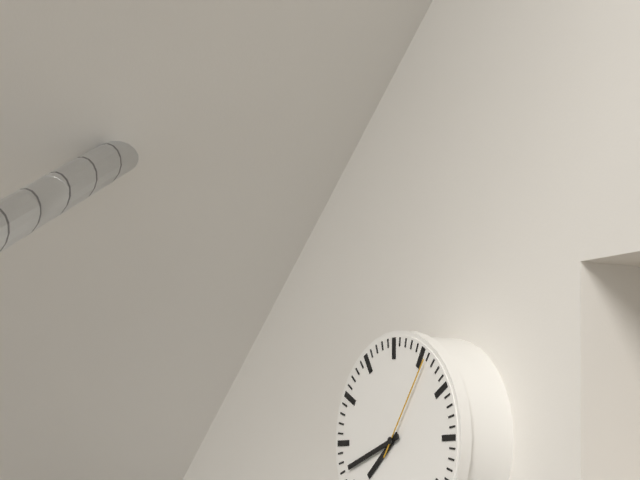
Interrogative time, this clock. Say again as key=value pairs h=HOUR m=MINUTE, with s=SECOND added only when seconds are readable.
h=7 m=42 s=6
